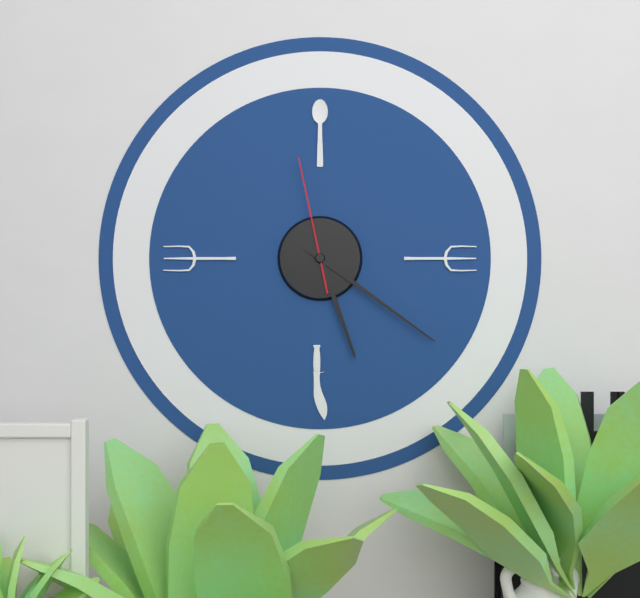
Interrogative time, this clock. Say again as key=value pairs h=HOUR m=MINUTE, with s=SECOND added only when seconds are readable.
h=5 m=21 s=58
